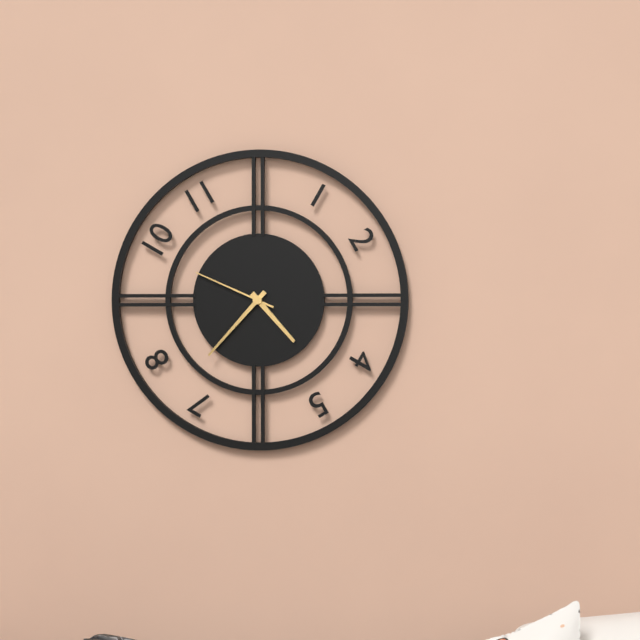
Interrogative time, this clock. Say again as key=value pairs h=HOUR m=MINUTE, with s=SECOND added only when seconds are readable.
h=4 m=37 s=49
